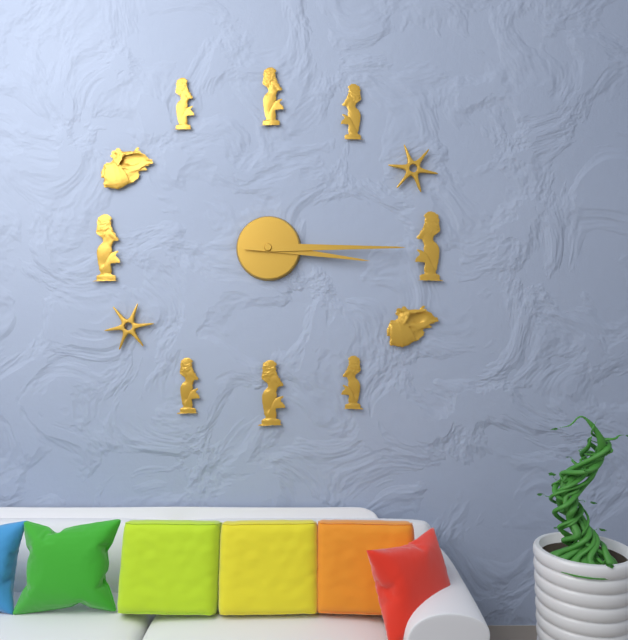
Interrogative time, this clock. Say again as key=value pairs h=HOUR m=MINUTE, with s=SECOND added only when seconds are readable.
h=3 m=15
